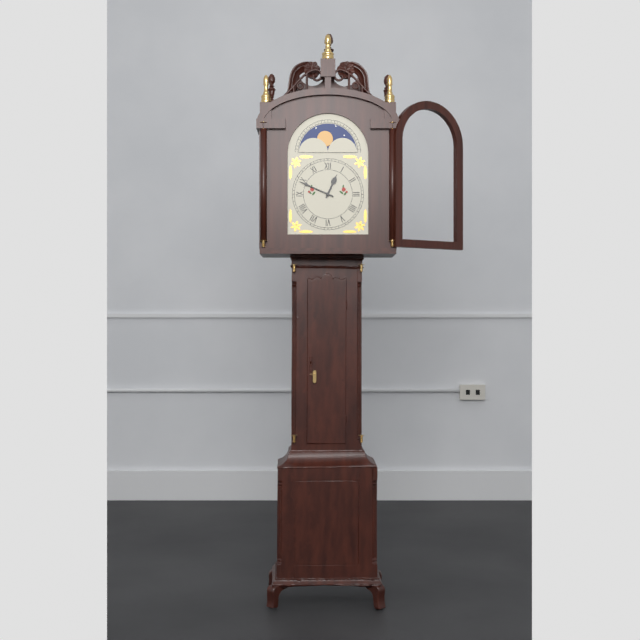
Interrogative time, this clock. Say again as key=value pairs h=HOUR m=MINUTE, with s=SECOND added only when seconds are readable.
h=12 m=49
